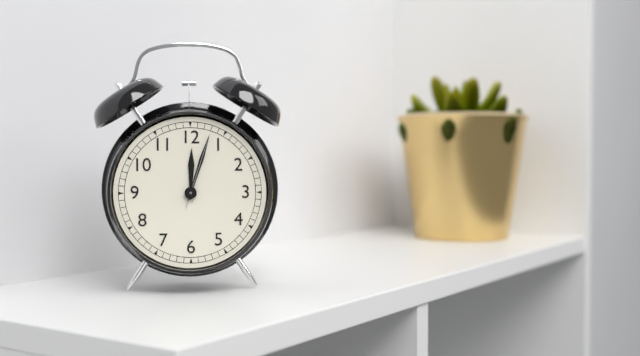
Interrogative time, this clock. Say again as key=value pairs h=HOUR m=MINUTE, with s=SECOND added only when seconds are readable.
h=12 m=3 s=3
